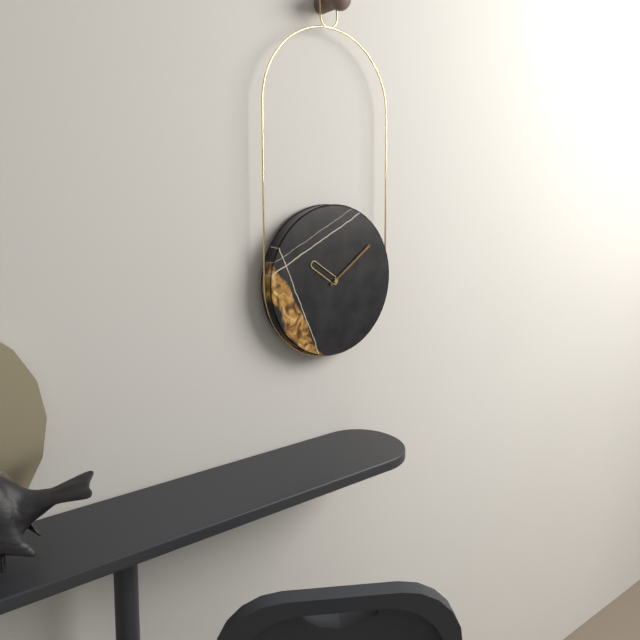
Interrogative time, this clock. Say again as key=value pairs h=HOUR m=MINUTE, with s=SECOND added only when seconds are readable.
h=10 m=9
